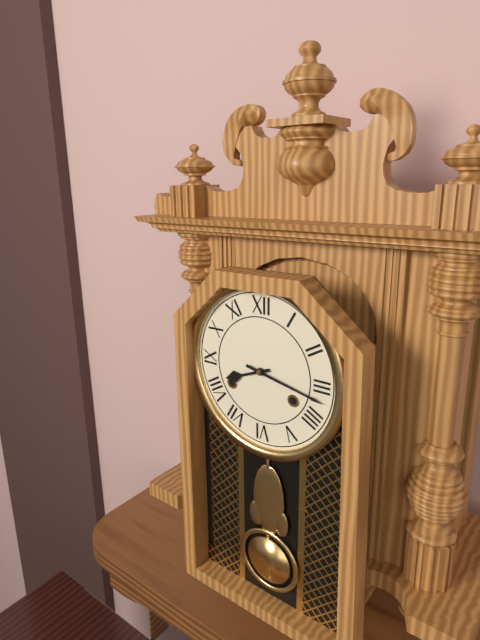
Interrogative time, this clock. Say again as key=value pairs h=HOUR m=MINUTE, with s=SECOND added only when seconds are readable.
h=8 m=17
